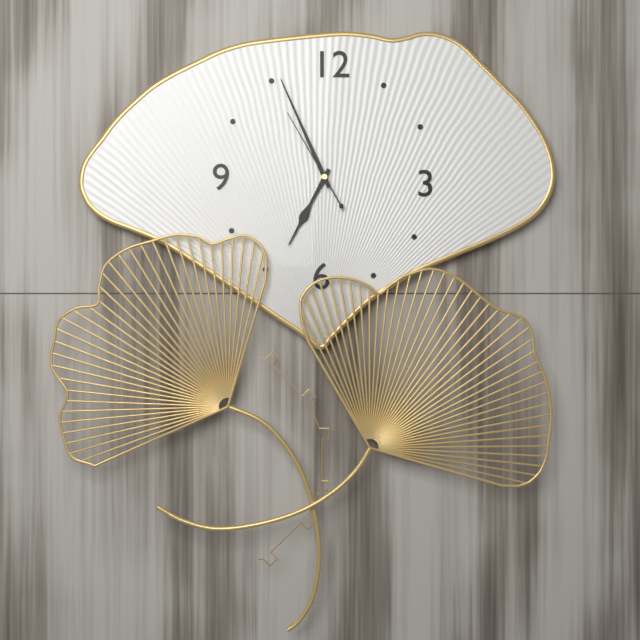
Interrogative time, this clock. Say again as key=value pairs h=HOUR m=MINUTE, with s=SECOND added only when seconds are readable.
h=6 m=56 s=55
